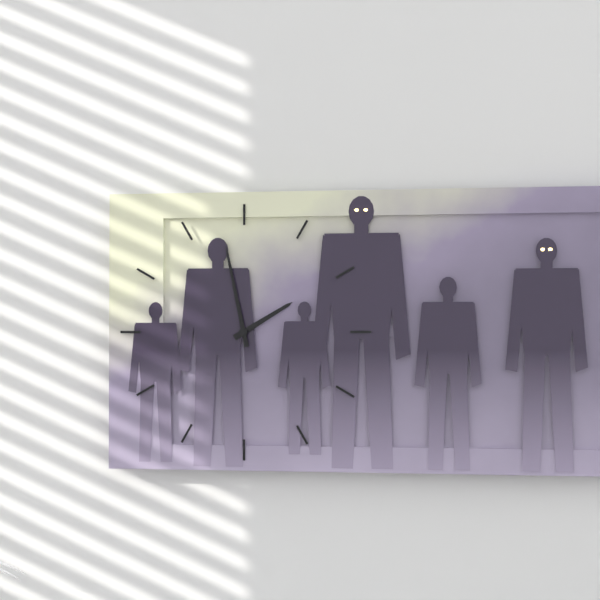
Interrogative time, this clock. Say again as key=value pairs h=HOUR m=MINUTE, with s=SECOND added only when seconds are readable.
h=1 m=58
